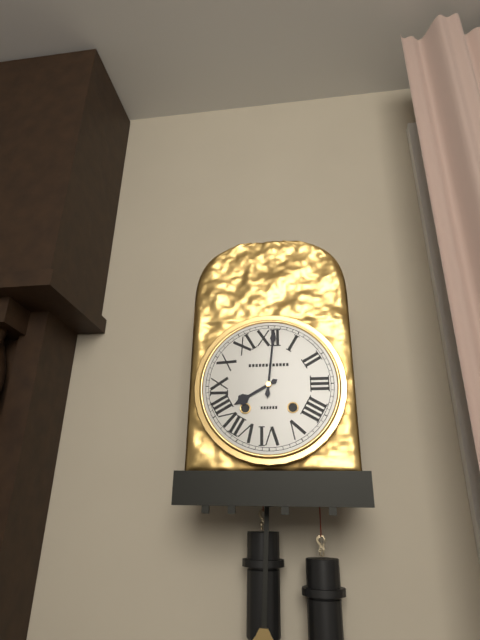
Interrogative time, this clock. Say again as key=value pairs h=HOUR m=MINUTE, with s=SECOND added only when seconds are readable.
h=8 m=1
